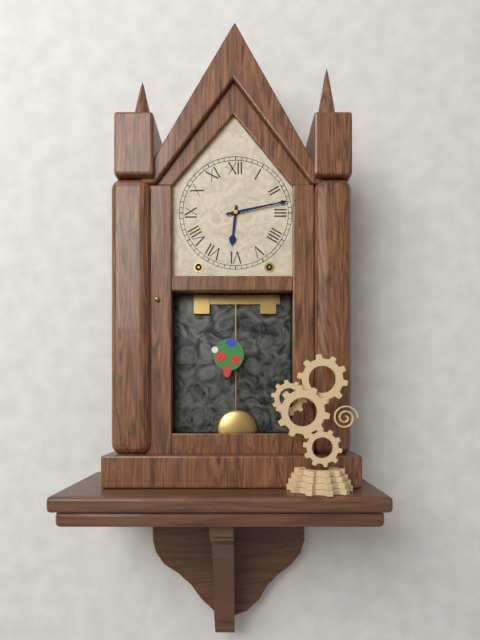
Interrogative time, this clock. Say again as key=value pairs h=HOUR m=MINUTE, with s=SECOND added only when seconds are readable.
h=6 m=13
